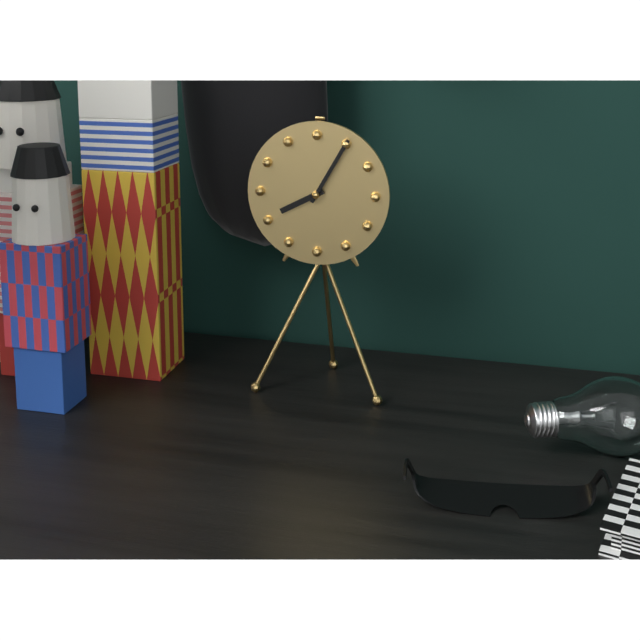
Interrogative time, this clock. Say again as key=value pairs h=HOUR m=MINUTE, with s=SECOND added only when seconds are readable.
h=8 m=5
